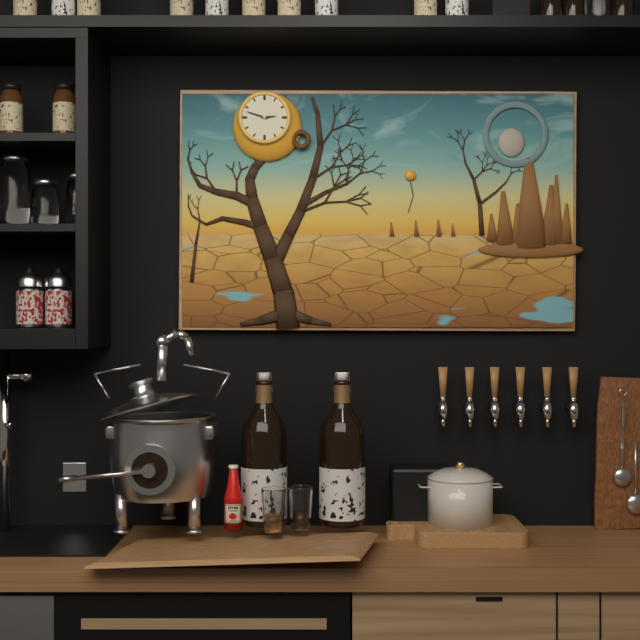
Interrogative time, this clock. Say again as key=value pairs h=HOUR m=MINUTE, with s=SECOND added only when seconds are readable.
h=2 m=48
